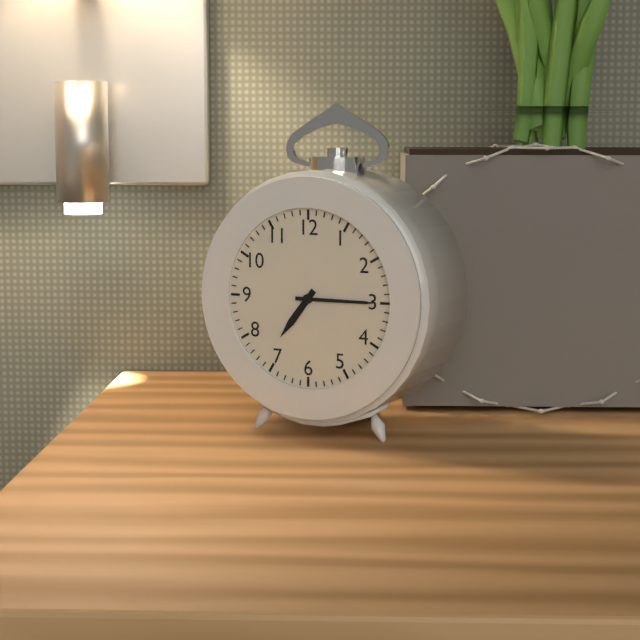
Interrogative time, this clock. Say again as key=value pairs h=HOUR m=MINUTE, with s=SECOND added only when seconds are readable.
h=7 m=15
